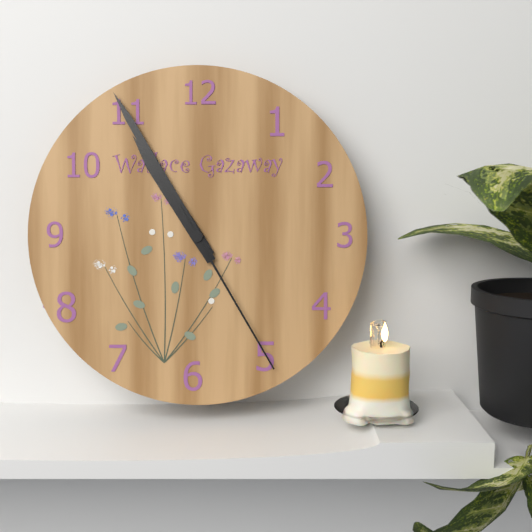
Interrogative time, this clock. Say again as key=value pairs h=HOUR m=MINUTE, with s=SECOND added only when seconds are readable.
h=10 m=55 s=25
